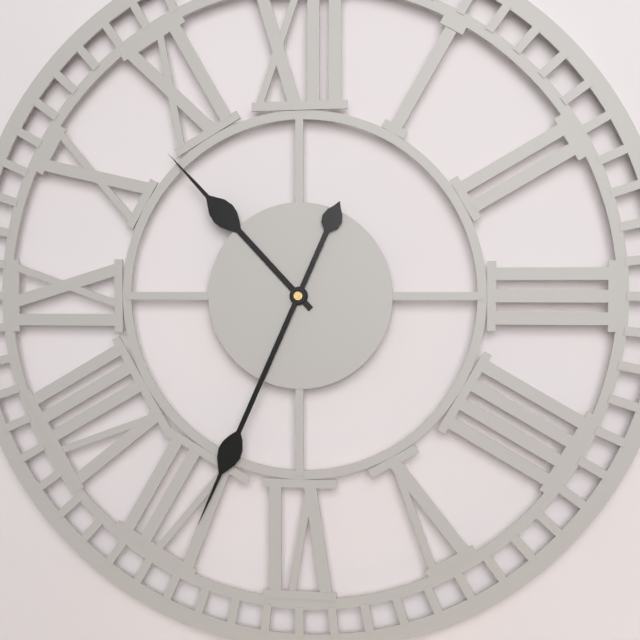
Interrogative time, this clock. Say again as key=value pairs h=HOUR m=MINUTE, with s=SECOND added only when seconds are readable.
h=10 m=34
